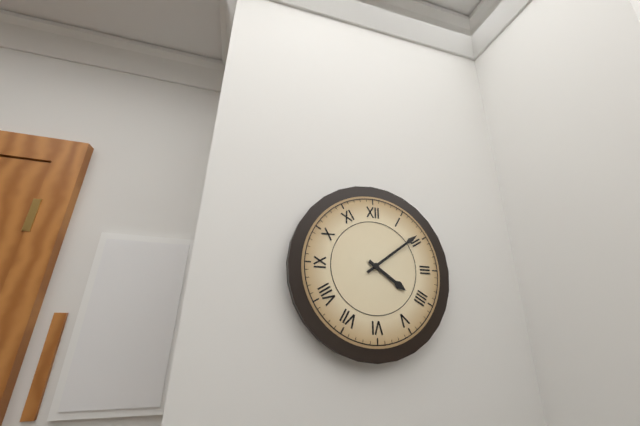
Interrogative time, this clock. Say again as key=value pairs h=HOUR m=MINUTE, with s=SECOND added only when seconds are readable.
h=4 m=9
